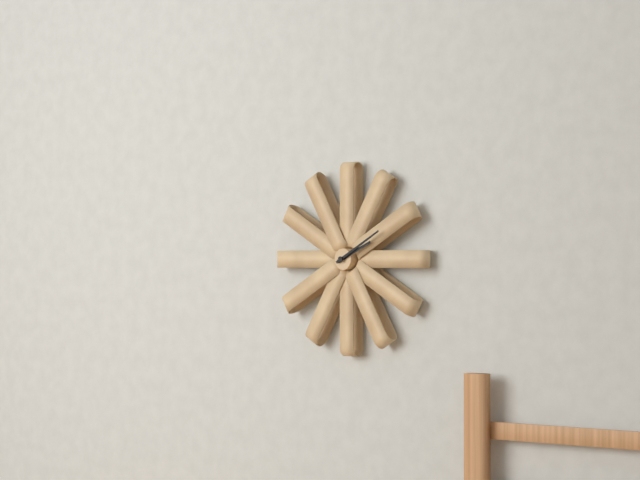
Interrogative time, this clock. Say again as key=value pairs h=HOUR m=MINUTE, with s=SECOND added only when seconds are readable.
h=2 m=10
